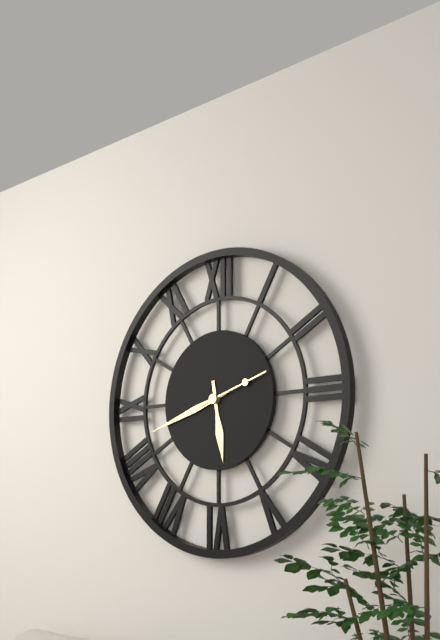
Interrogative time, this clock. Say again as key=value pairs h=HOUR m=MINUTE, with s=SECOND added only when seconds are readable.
h=5 m=42 s=12
